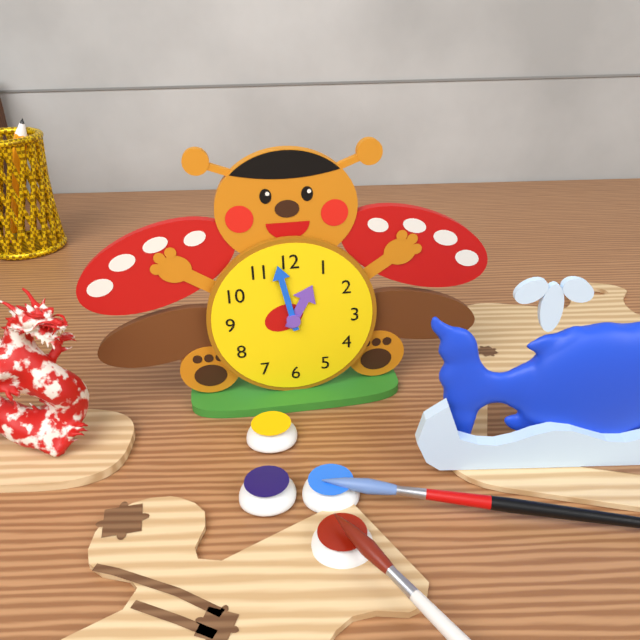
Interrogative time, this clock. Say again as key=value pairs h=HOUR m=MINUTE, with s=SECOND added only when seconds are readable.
h=12 m=58
